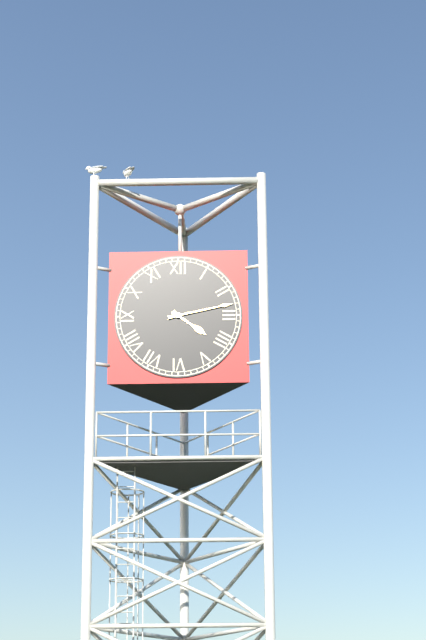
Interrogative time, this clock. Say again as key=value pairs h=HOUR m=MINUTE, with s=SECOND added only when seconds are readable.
h=4 m=13
